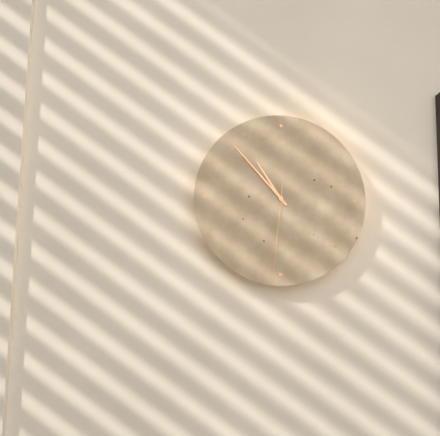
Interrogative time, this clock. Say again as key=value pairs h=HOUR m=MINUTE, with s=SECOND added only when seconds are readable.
h=10 m=53 s=31
